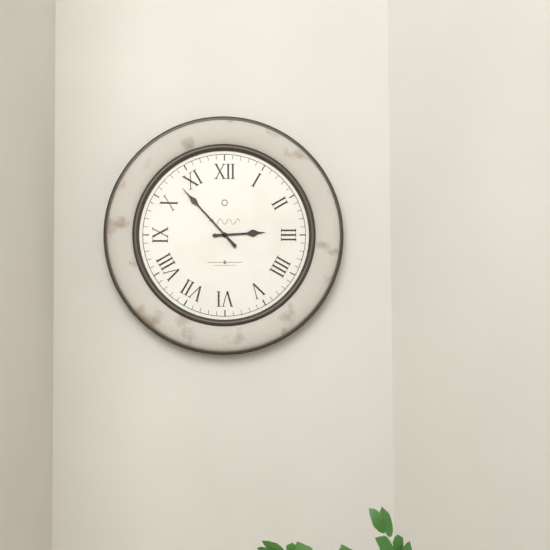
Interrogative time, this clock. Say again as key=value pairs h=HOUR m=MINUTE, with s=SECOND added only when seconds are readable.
h=2 m=53
